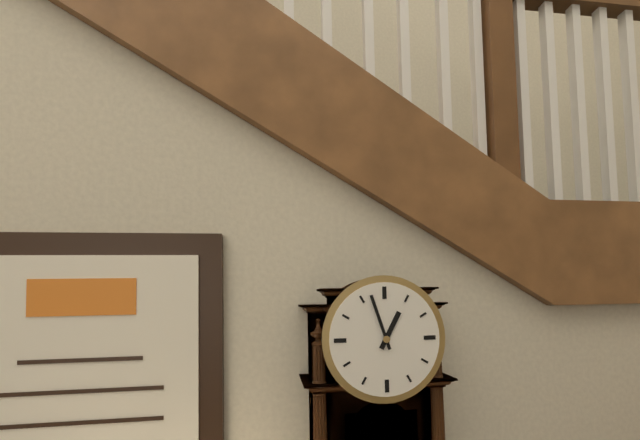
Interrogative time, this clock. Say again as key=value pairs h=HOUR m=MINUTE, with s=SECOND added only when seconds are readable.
h=12 m=57
